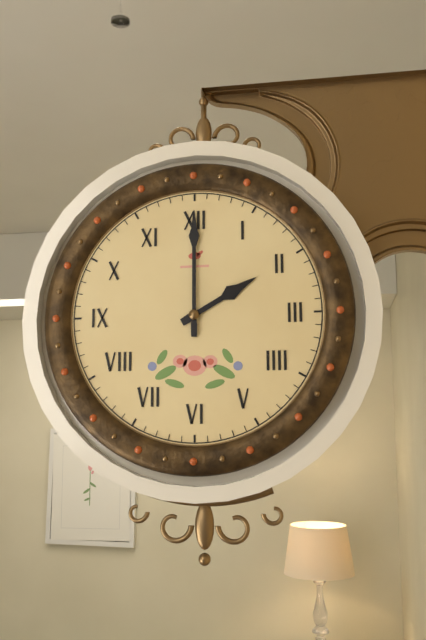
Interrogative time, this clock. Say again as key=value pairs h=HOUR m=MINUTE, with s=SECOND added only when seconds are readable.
h=2 m=0
